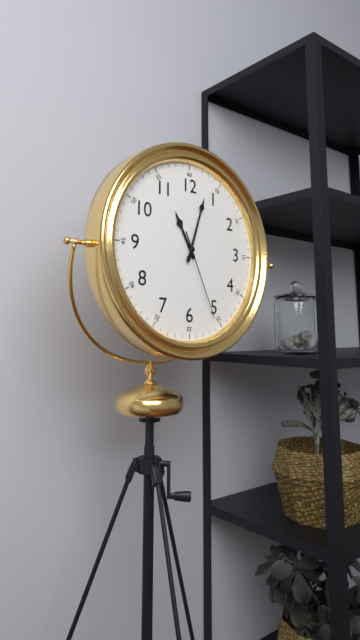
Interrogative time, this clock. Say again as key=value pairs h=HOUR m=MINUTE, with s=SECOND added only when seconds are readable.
h=11 m=3 s=26
